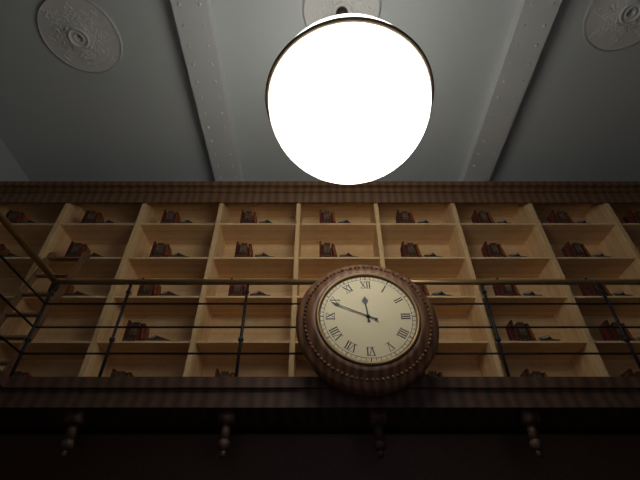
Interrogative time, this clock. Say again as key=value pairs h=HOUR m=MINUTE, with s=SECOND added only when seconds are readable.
h=11 m=49
